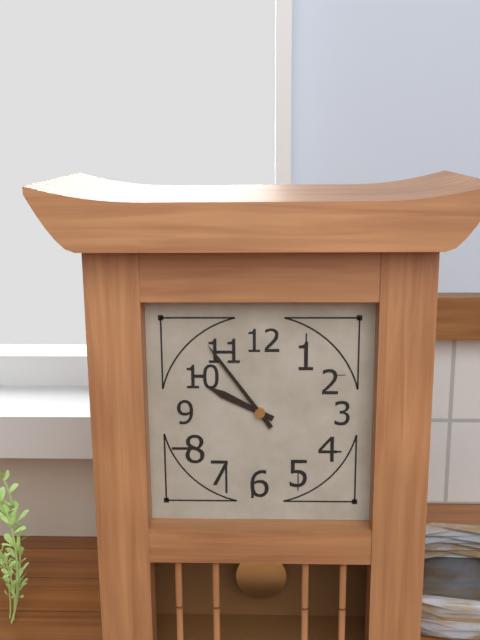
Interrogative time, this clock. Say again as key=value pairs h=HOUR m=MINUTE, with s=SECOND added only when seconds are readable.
h=9 m=54
